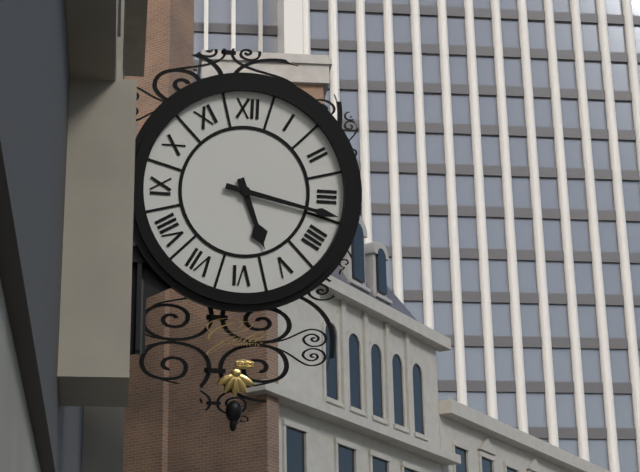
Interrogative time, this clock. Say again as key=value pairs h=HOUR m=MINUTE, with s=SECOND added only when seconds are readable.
h=5 m=17
